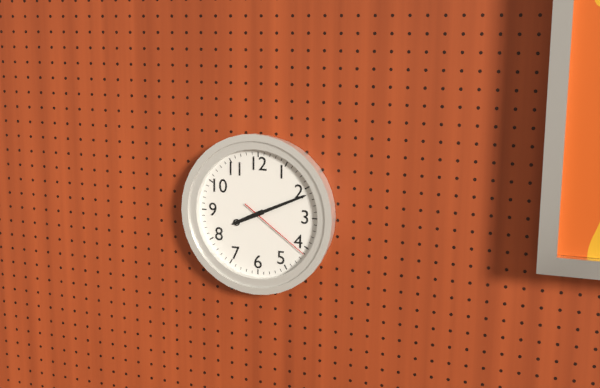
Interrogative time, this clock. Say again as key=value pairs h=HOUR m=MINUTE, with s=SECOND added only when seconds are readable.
h=8 m=11 s=21
